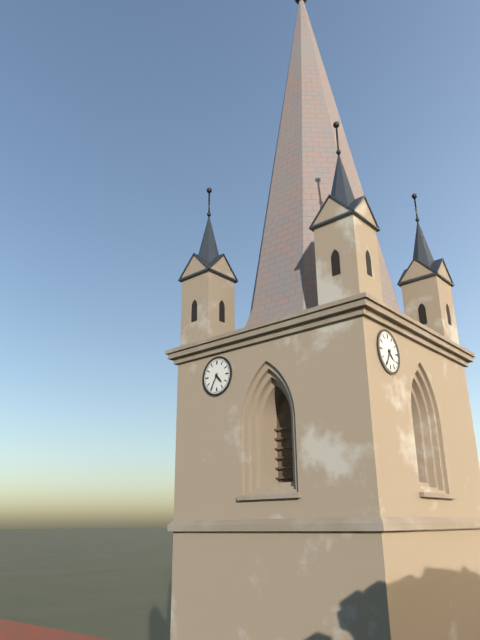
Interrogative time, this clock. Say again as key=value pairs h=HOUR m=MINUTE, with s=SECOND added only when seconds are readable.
h=4 m=35
